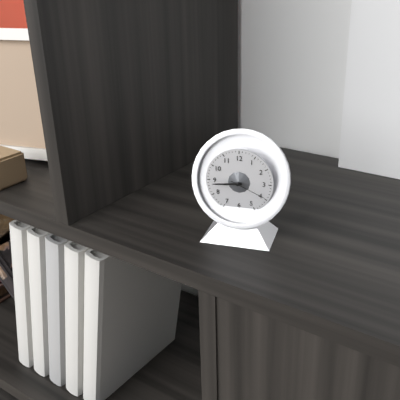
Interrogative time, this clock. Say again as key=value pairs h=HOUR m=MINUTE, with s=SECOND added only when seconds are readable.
h=8 m=44
